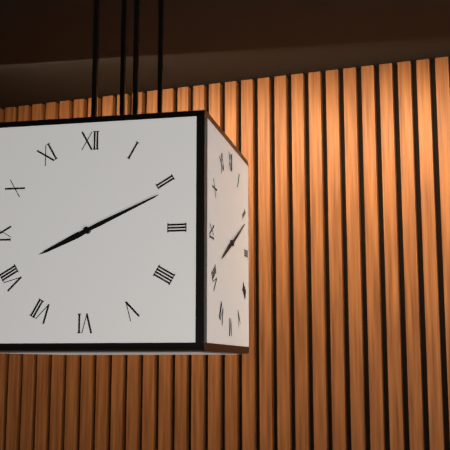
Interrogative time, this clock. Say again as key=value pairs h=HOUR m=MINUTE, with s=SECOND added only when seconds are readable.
h=8 m=11
